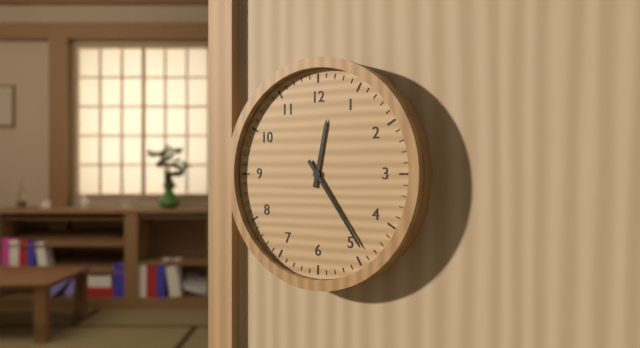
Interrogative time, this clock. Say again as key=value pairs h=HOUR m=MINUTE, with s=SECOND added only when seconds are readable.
h=12 m=24
